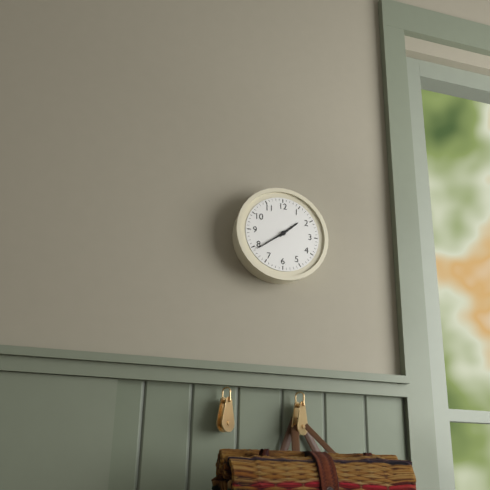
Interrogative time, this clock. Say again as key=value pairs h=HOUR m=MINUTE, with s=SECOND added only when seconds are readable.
h=1 m=39
